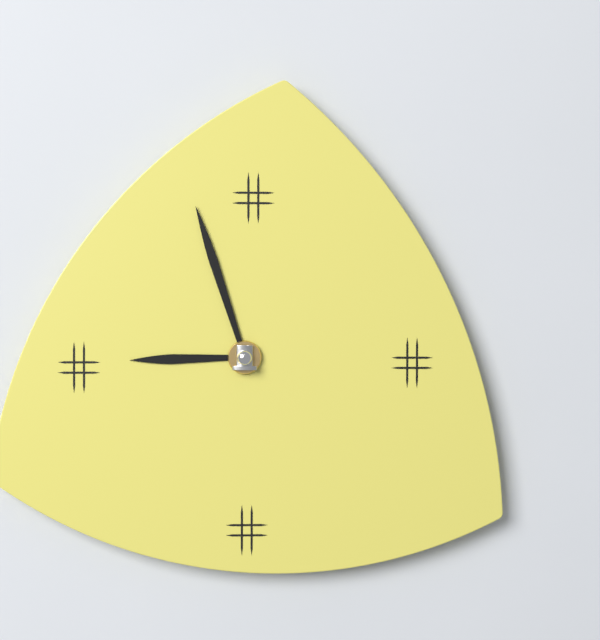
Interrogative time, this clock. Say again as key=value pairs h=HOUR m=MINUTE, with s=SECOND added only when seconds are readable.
h=8 m=57
